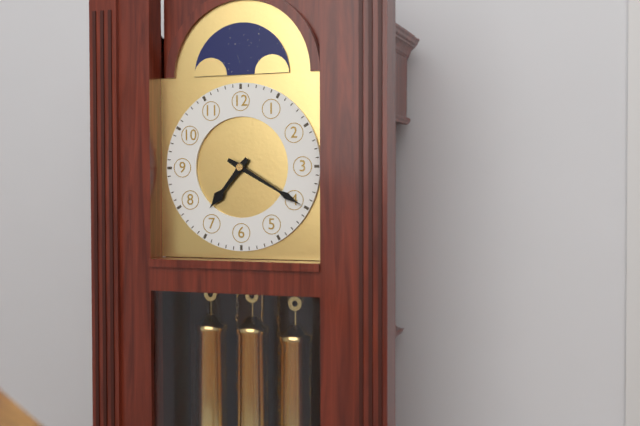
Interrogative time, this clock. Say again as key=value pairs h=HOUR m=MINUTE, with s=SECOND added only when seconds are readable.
h=7 m=20
